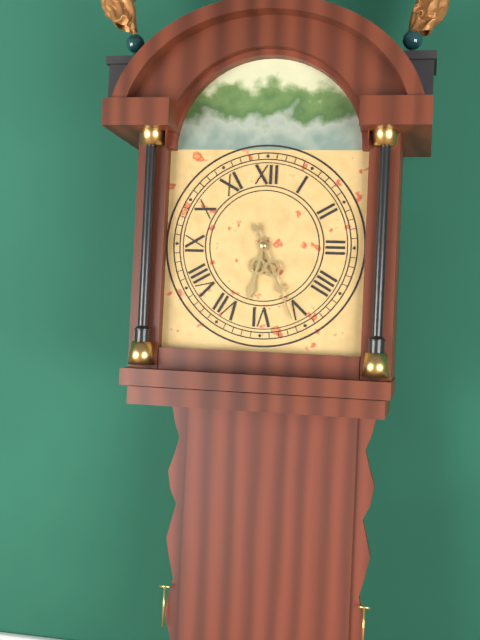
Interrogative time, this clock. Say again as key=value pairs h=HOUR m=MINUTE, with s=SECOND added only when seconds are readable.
h=6 m=26
